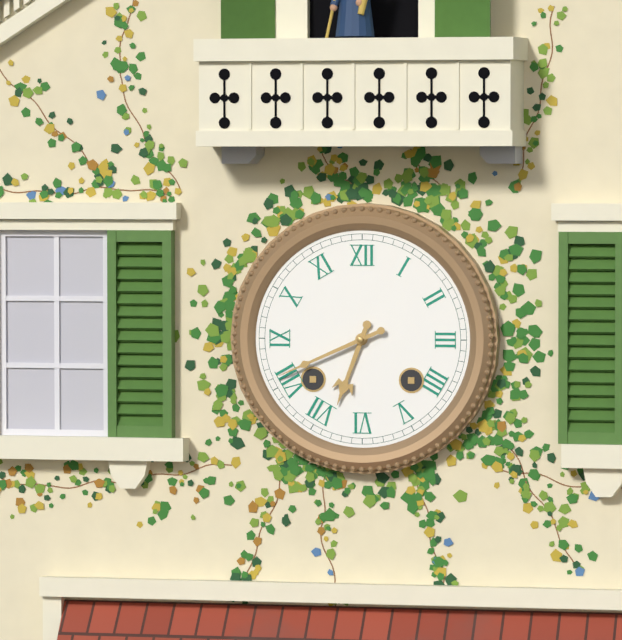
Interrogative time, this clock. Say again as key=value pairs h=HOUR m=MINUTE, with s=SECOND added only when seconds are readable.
h=6 m=41
